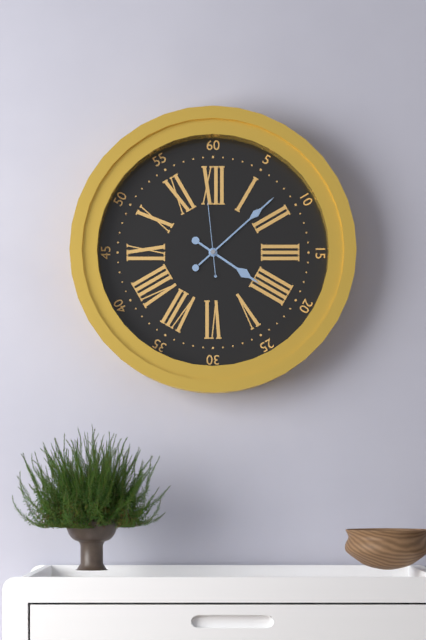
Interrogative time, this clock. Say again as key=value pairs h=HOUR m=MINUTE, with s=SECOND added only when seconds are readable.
h=4 m=8 s=59
